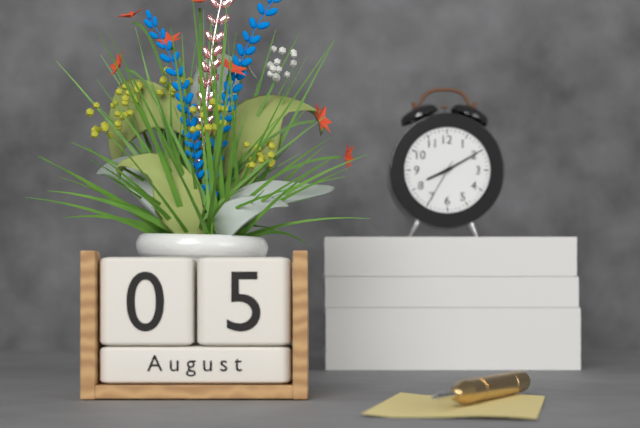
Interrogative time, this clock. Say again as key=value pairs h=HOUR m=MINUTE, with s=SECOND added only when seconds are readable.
h=8 m=10
